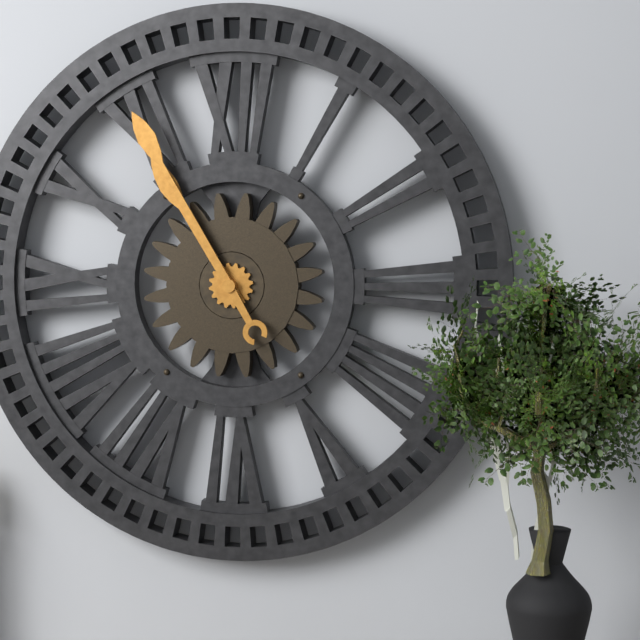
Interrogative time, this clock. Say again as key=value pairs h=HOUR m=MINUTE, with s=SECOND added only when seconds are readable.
h=10 m=55
